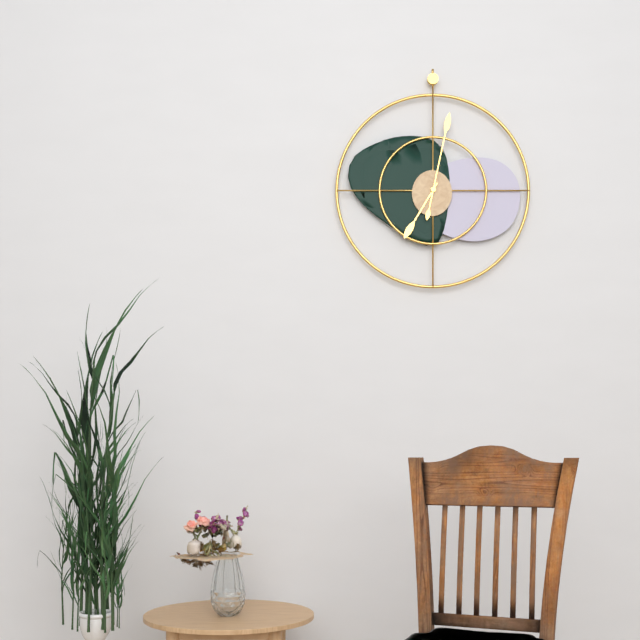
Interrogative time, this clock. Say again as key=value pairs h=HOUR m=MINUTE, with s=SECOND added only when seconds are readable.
h=7 m=2
